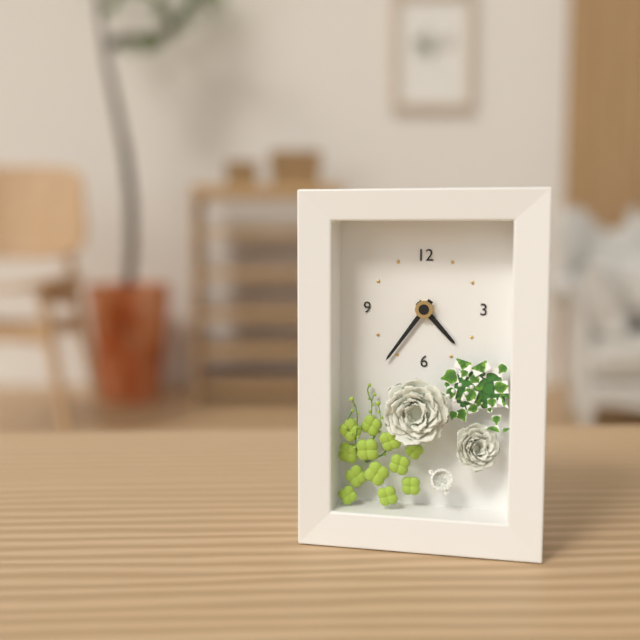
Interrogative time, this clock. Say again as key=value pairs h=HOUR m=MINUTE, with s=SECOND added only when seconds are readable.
h=4 m=36
